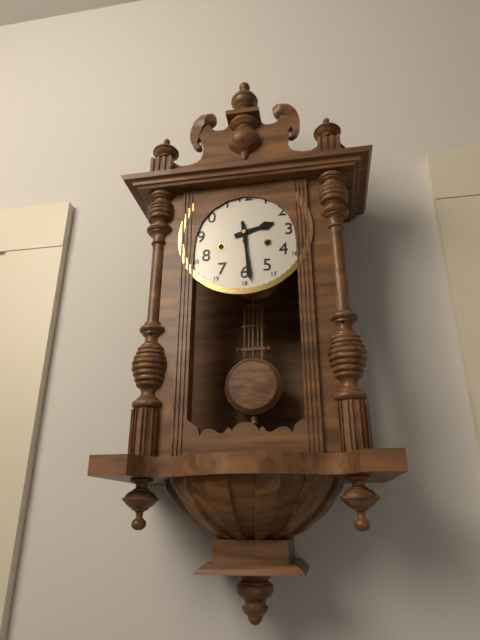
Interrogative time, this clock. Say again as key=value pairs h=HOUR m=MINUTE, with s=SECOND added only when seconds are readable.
h=2 m=29
